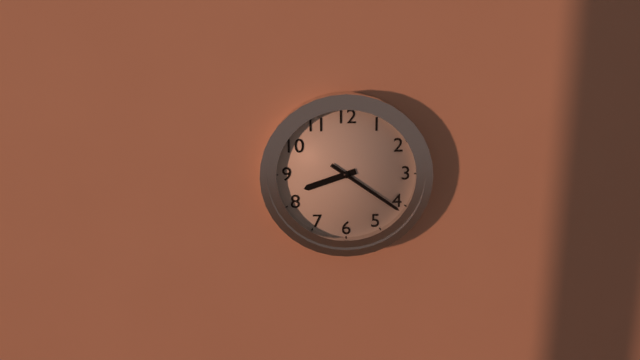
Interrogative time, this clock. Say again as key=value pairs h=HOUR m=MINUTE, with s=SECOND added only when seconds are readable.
h=8 m=21
